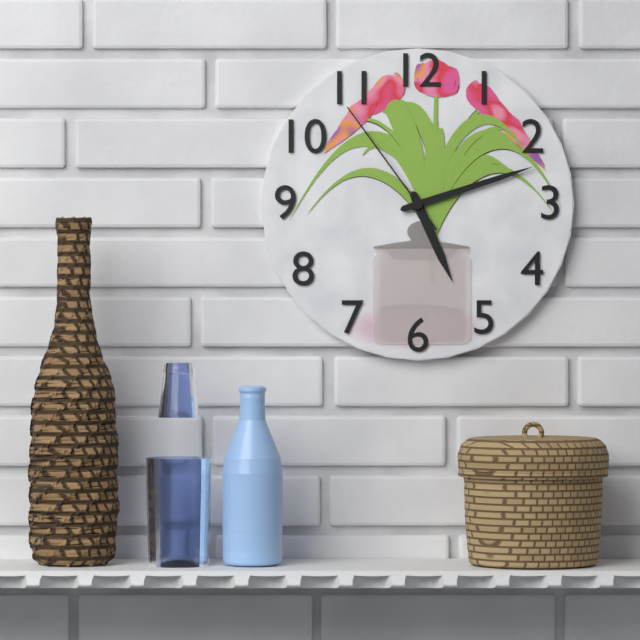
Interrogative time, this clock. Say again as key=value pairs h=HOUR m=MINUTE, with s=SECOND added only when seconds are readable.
h=5 m=12 s=54
